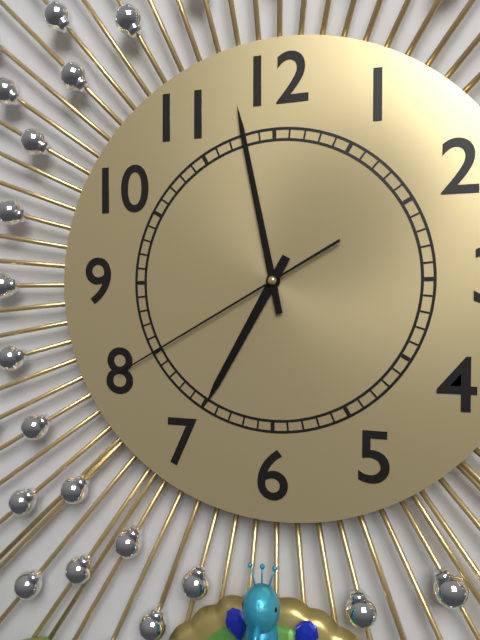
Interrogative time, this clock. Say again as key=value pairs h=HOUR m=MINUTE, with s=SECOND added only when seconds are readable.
h=6 m=58 s=40
